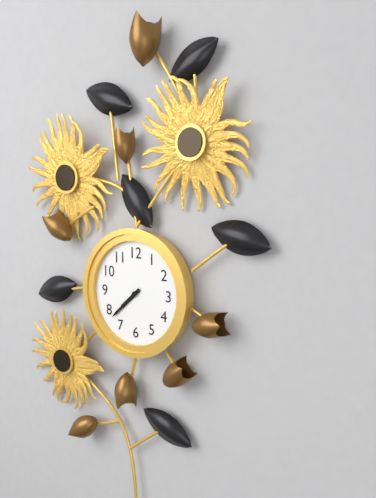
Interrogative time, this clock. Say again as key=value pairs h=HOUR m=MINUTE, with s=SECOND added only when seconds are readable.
h=7 m=38
